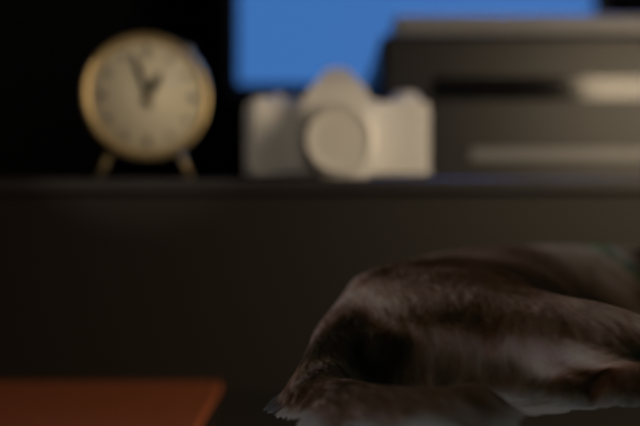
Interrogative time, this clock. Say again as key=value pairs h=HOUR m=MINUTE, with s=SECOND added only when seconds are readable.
h=12 m=57
